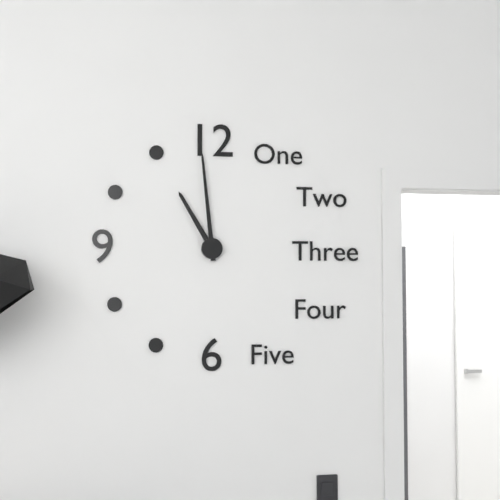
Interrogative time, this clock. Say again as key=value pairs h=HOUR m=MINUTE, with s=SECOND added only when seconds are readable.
h=10 m=59
